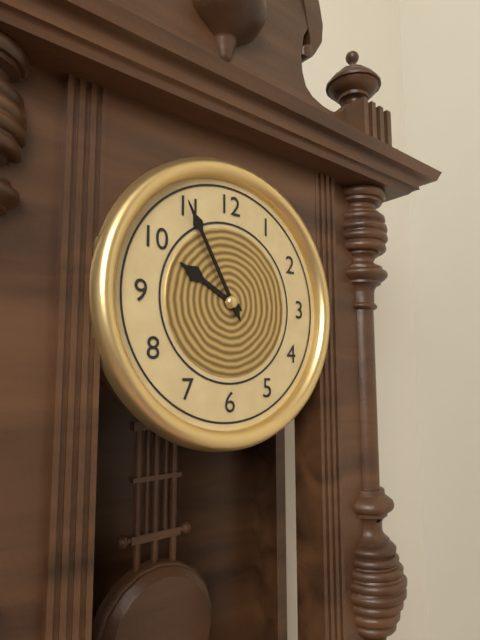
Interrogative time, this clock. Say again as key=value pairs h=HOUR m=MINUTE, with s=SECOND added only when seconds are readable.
h=9 m=55
